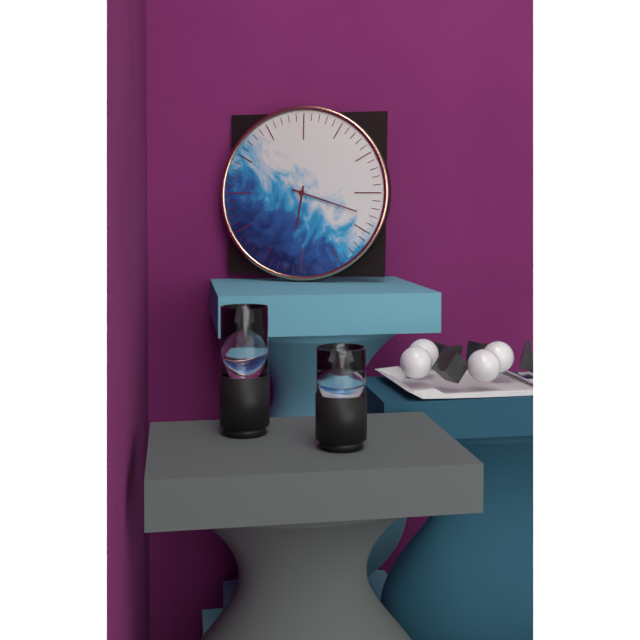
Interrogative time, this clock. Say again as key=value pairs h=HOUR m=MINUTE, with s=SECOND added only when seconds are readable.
h=6 m=18
